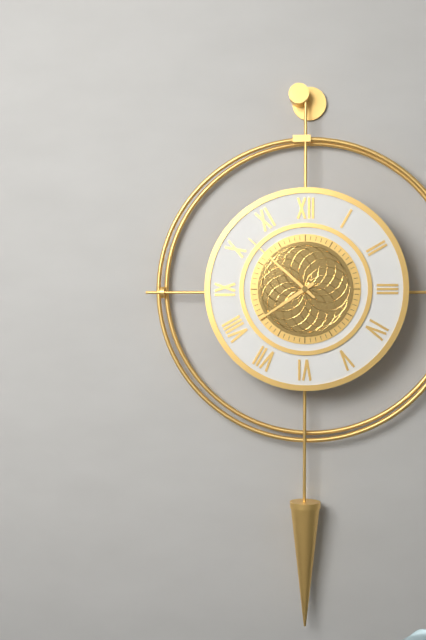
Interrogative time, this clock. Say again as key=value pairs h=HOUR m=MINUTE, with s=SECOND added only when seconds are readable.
h=7 m=52
